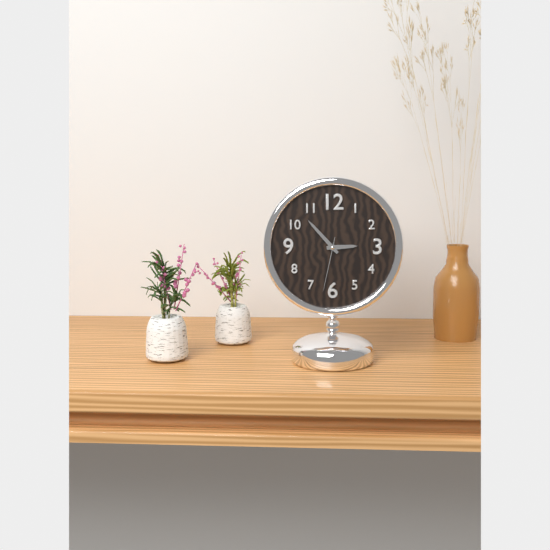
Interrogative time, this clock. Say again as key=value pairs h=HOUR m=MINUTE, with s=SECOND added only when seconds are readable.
h=2 m=53 s=32
